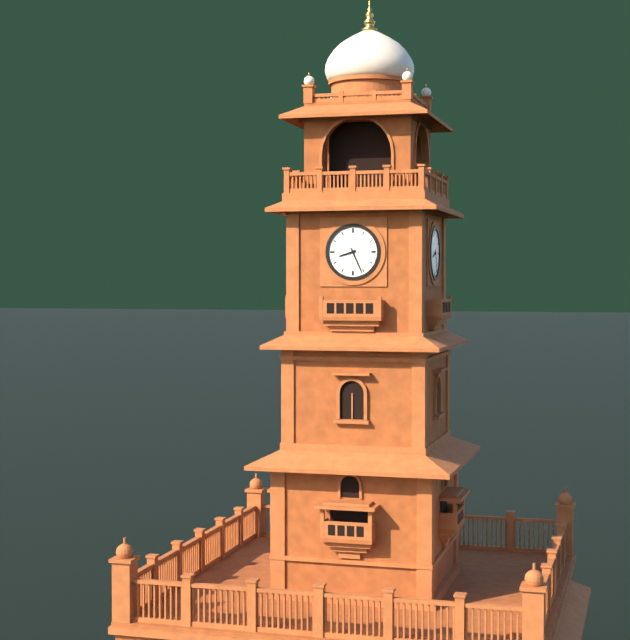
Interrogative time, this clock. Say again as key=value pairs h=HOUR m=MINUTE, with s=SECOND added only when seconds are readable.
h=8 m=26
